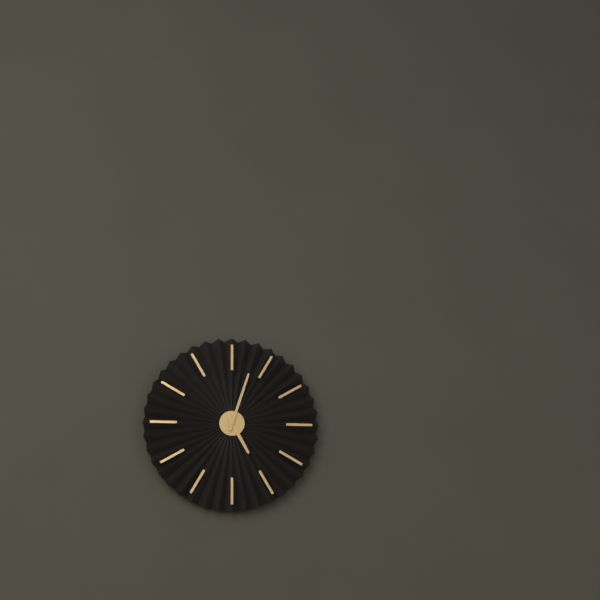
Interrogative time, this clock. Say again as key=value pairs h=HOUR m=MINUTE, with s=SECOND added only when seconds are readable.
h=5 m=3
